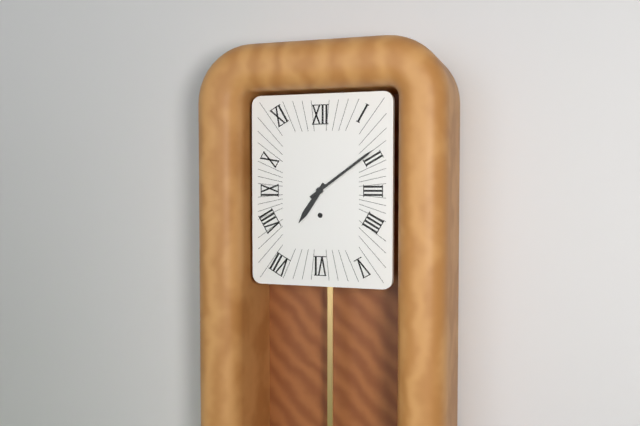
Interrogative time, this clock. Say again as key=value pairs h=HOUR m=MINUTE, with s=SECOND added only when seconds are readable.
h=7 m=9
